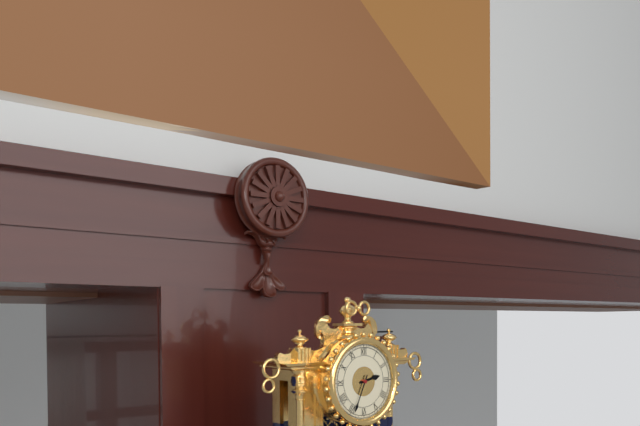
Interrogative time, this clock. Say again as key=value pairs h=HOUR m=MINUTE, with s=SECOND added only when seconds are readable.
h=2 m=34
